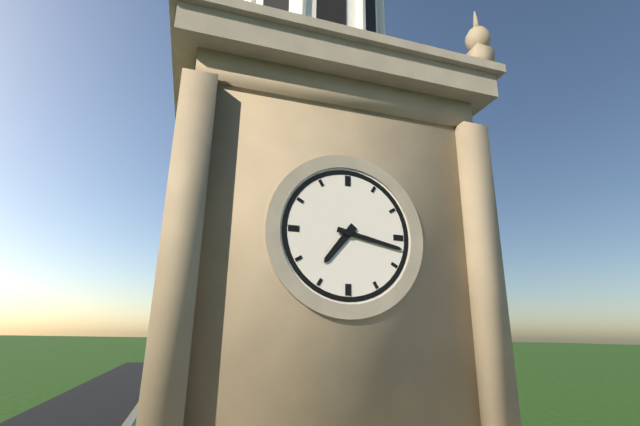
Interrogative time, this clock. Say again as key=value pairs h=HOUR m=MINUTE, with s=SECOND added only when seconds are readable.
h=7 m=17
